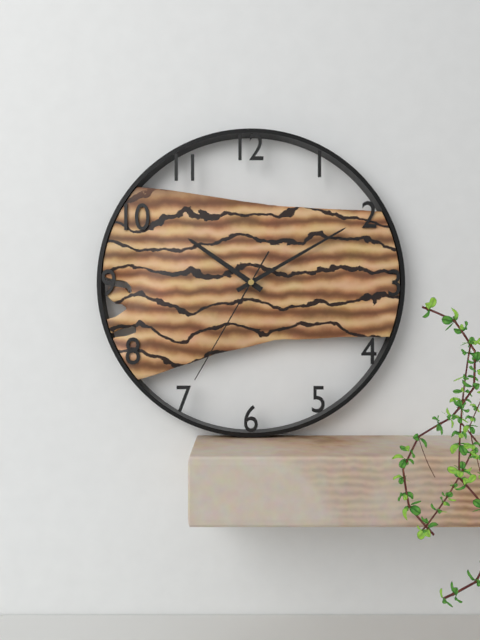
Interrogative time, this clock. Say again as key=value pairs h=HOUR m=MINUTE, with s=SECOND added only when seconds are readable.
h=10 m=10 s=35
